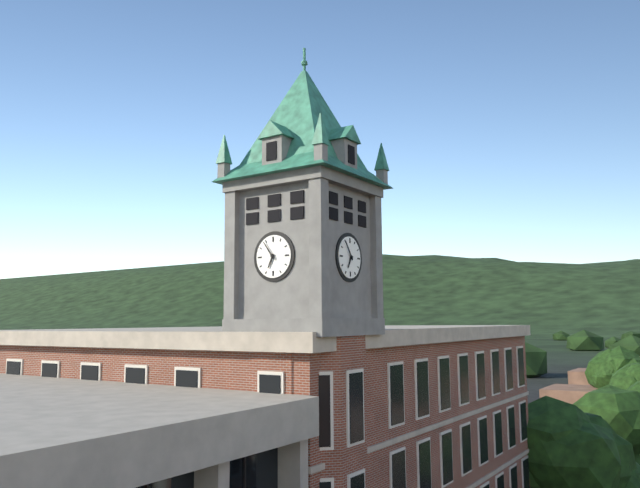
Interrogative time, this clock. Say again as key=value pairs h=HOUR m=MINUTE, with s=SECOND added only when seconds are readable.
h=6 m=54
